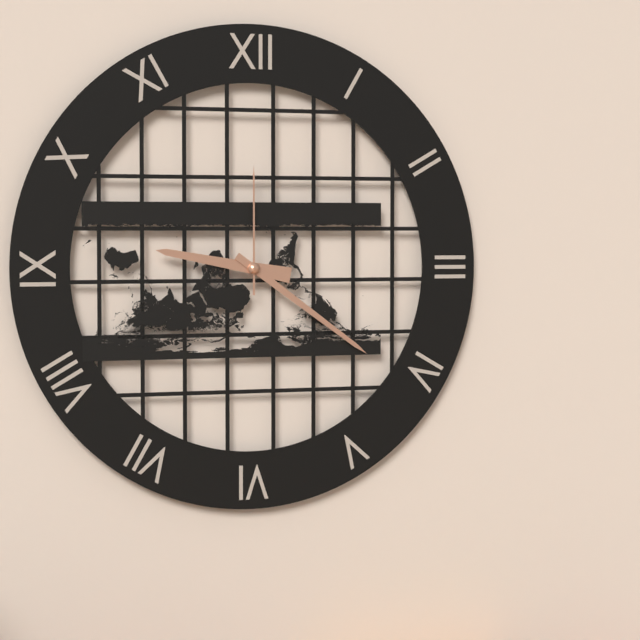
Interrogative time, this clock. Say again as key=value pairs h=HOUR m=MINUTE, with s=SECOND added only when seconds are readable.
h=9 m=21 s=0
